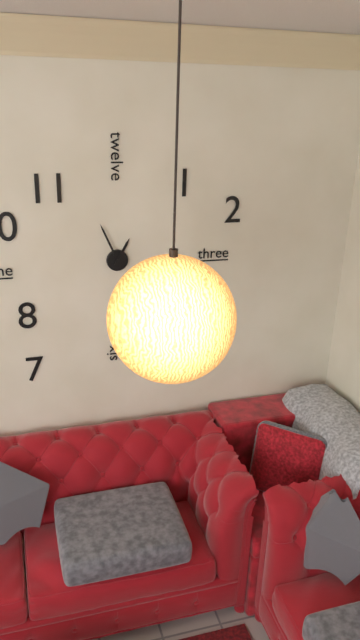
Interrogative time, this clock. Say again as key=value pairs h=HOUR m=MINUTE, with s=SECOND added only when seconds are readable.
h=12 m=56
